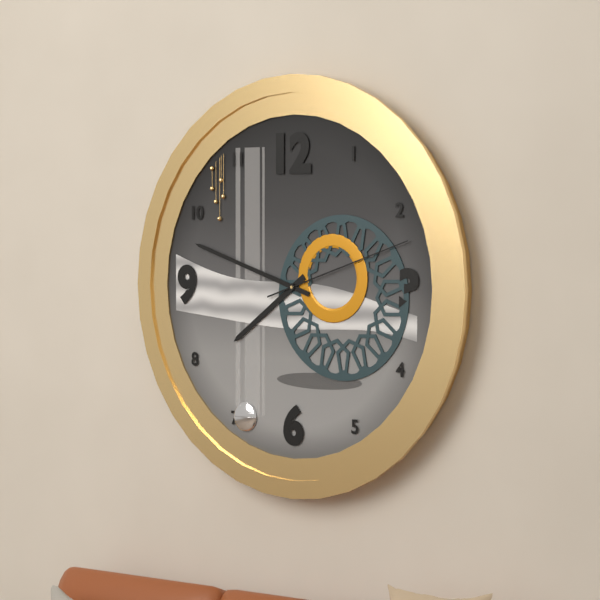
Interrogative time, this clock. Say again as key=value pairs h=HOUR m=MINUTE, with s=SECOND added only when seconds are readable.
h=7 m=48 s=12
